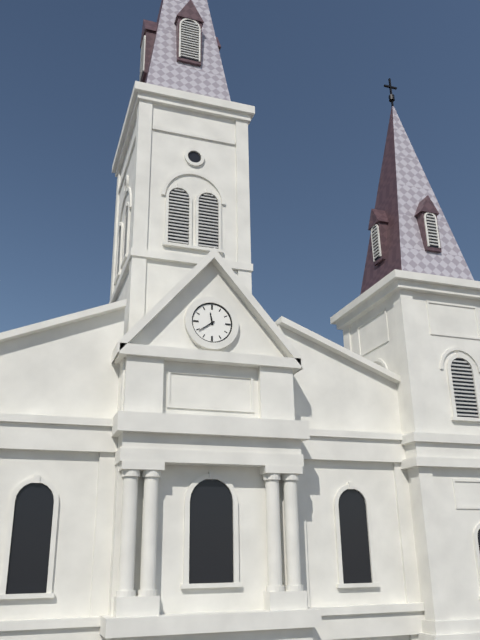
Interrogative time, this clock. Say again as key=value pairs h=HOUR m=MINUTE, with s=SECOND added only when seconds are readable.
h=11 m=39
